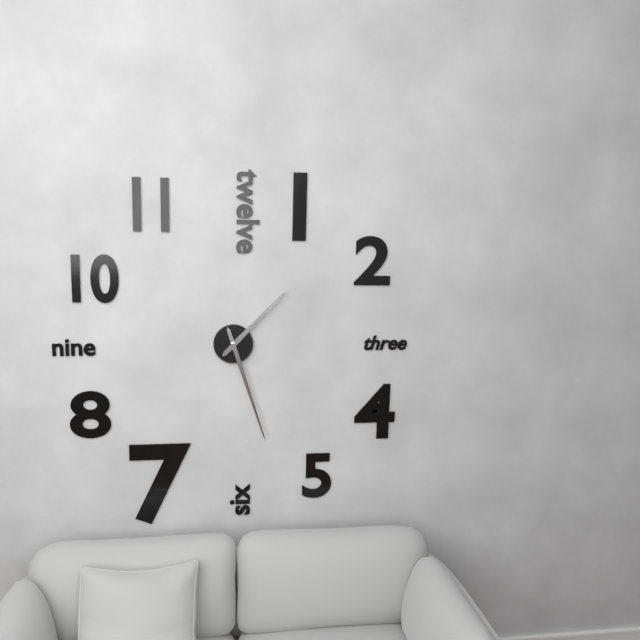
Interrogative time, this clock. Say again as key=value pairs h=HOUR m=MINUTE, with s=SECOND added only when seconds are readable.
h=1 m=27
